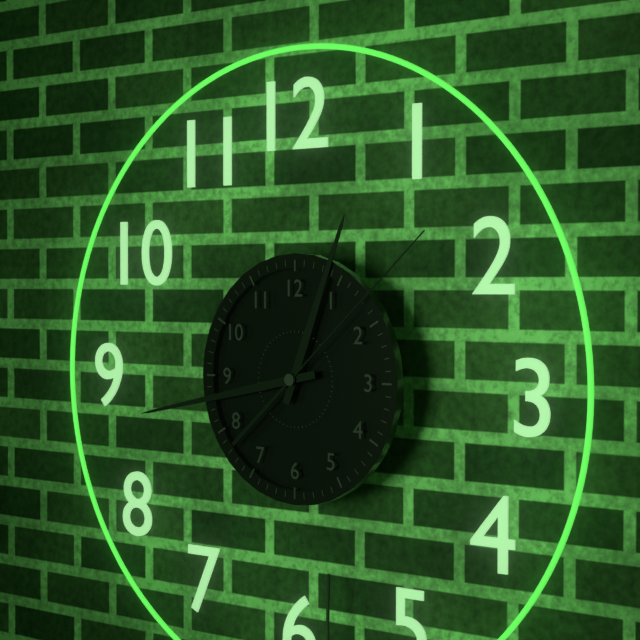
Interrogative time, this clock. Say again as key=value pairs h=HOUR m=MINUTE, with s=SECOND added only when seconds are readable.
h=12 m=43 s=8
